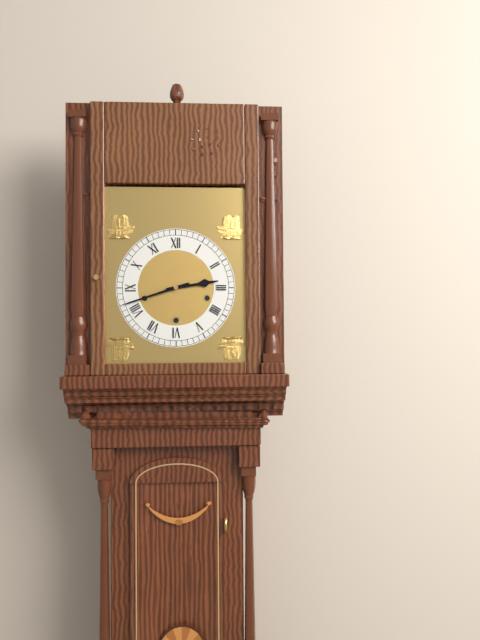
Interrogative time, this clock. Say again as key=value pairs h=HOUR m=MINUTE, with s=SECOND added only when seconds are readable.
h=2 m=42
